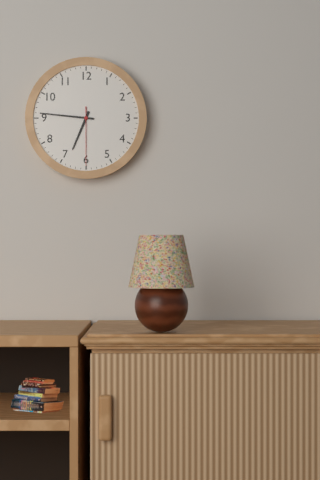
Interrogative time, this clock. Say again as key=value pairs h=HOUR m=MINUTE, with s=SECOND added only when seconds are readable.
h=6 m=46 s=30
